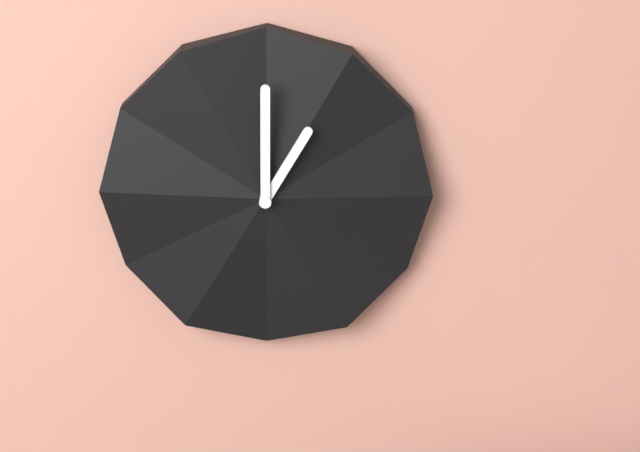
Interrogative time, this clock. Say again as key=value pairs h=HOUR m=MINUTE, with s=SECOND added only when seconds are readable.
h=1 m=0
